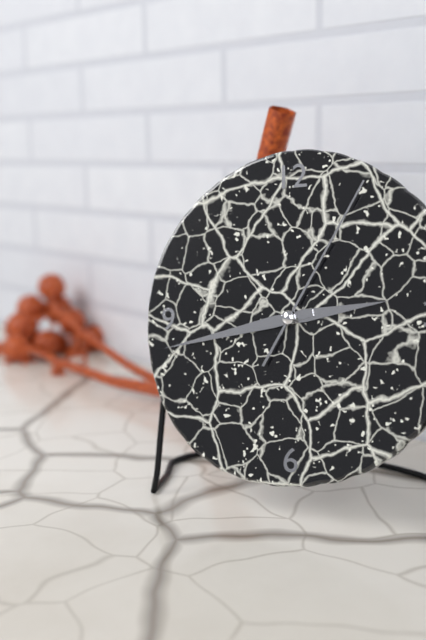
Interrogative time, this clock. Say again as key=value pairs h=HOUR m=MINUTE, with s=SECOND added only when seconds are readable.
h=2 m=43 s=5
